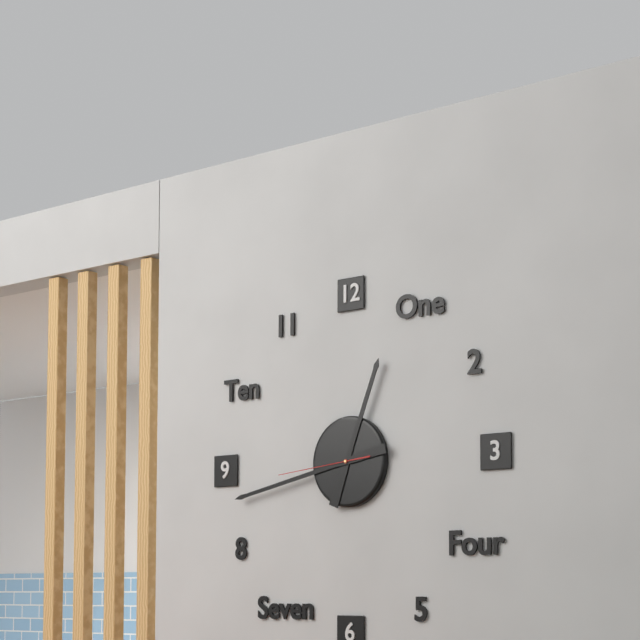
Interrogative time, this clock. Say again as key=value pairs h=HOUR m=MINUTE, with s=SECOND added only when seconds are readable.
h=12 m=43 s=44
